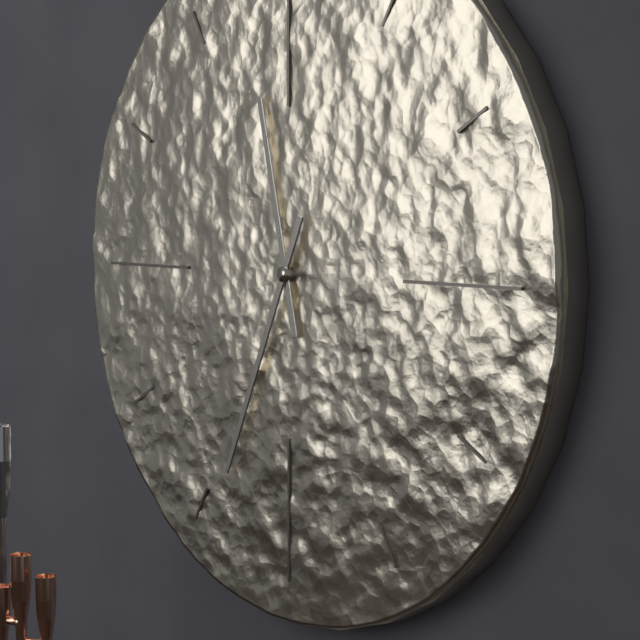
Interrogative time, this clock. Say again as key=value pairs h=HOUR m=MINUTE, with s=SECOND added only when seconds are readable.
h=11 m=34
